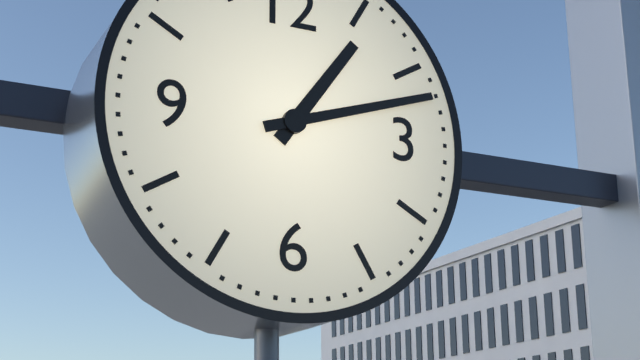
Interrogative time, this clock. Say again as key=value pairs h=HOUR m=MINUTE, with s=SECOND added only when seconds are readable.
h=1 m=12
